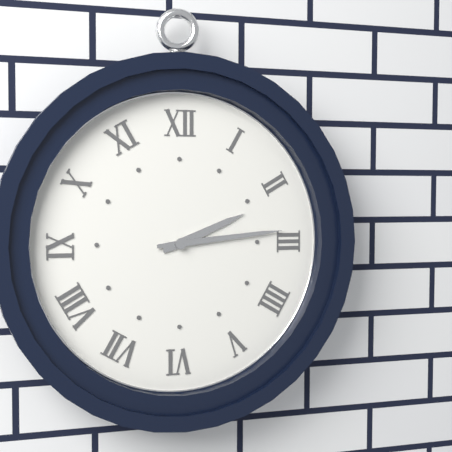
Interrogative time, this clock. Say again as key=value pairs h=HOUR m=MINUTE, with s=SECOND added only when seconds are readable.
h=2 m=14
